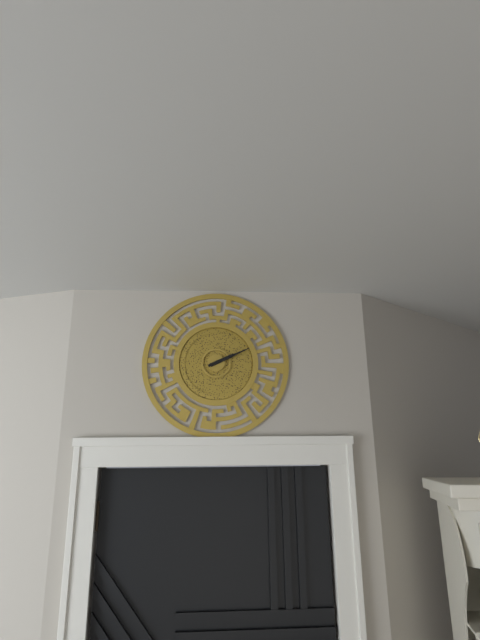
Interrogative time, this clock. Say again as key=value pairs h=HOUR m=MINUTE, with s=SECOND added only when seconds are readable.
h=2 m=11
